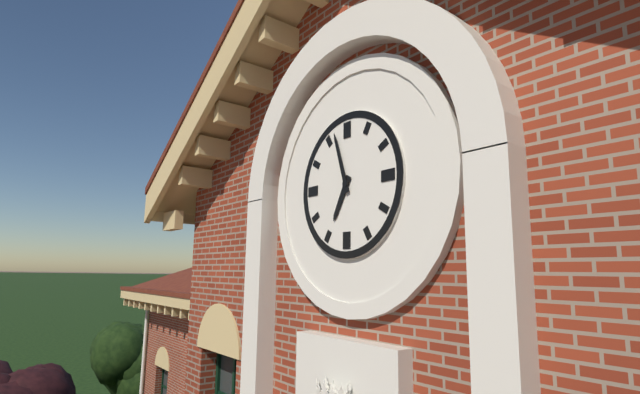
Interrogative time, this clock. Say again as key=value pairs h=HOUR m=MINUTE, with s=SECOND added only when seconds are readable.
h=6 m=57
